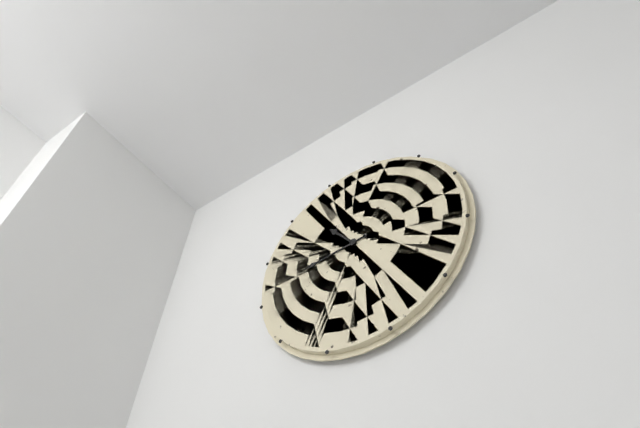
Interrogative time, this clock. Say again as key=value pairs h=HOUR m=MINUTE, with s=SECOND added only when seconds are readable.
h=10 m=44
